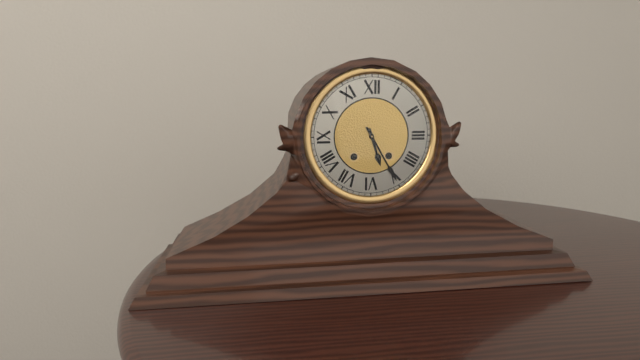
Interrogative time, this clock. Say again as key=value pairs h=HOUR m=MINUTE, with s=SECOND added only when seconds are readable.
h=5 m=25
